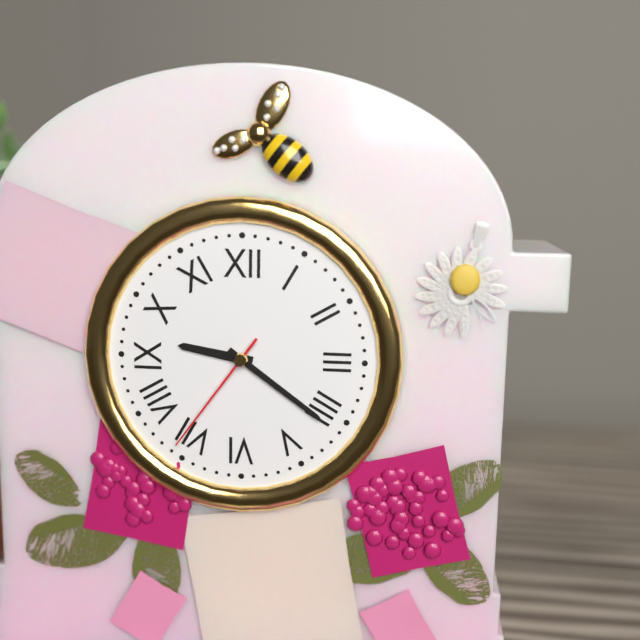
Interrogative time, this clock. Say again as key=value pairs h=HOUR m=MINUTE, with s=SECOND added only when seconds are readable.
h=9 m=21 s=36
